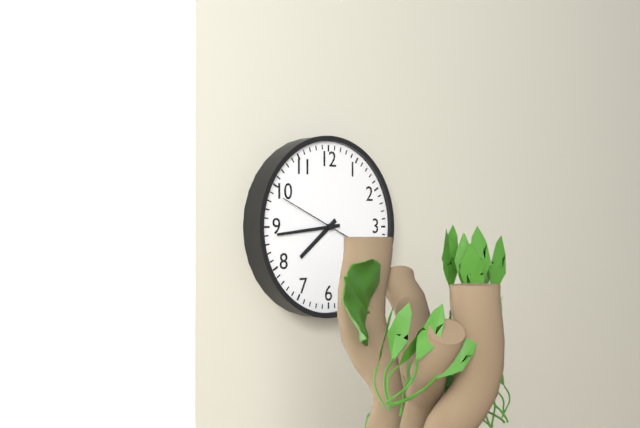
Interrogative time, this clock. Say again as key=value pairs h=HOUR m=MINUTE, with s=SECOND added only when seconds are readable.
h=7 m=44 s=49
